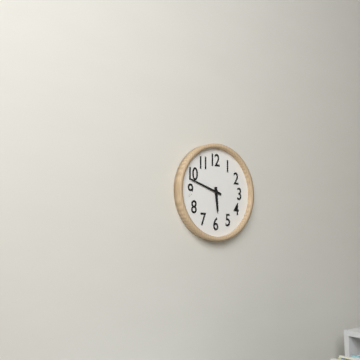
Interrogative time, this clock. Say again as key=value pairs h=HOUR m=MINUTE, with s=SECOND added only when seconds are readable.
h=5 m=48
